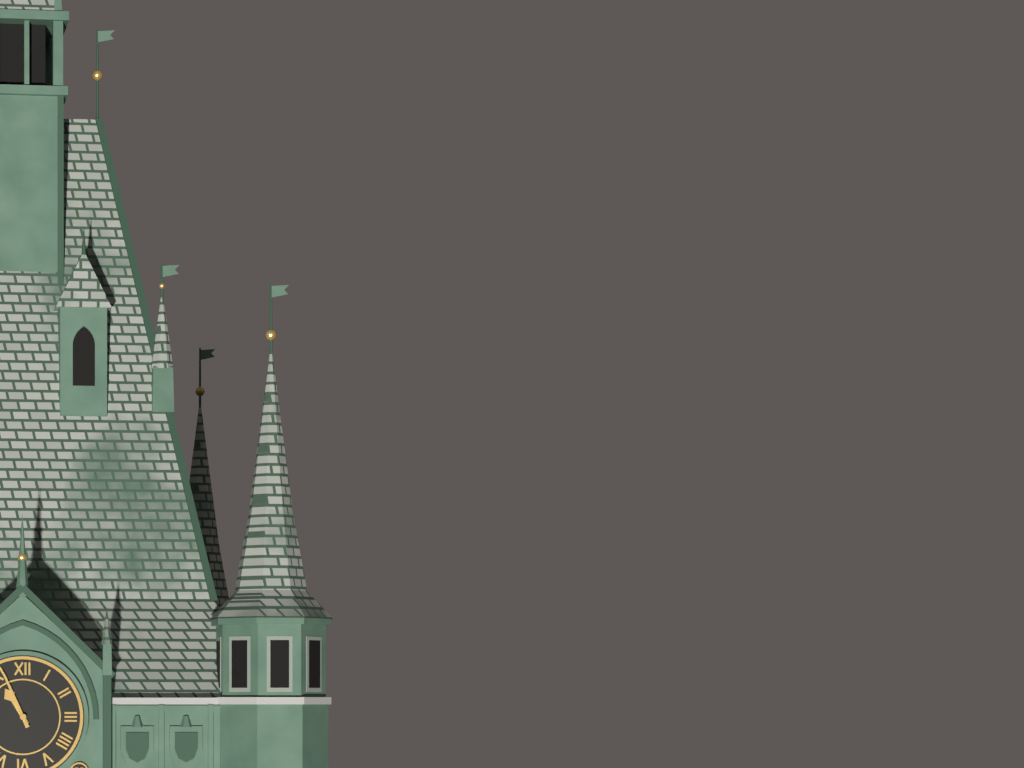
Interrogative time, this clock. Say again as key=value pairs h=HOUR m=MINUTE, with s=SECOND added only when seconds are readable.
h=10 m=56
